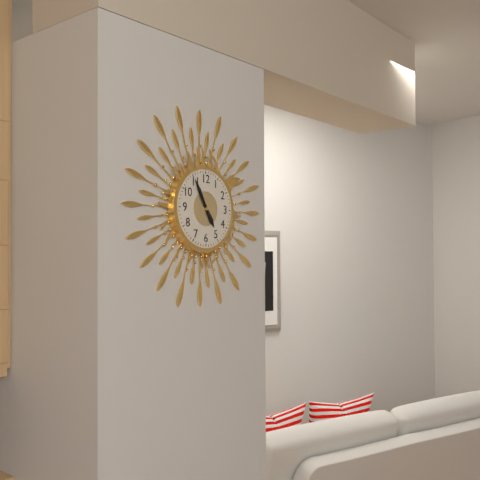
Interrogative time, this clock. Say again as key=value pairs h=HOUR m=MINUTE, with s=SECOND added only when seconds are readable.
h=4 m=55
